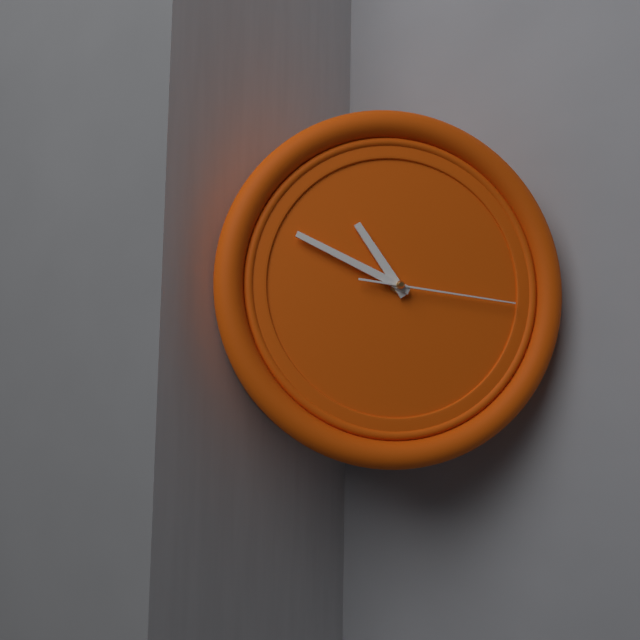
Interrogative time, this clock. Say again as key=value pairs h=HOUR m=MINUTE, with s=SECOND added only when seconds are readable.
h=10 m=49 s=16
